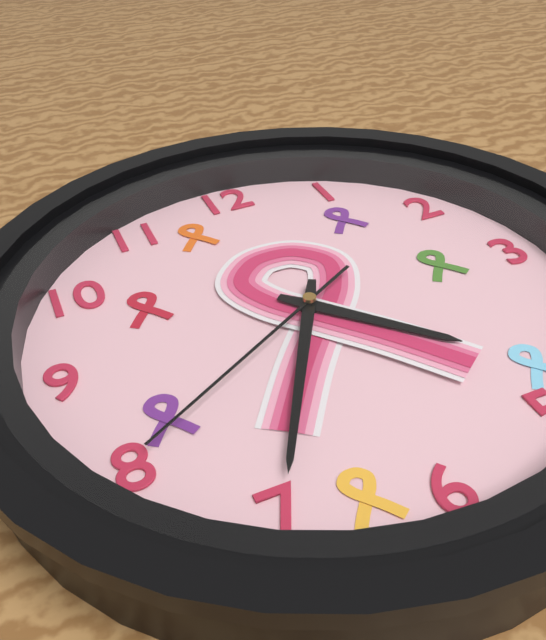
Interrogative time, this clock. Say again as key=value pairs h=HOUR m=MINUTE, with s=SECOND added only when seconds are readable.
h=4 m=35 s=40
